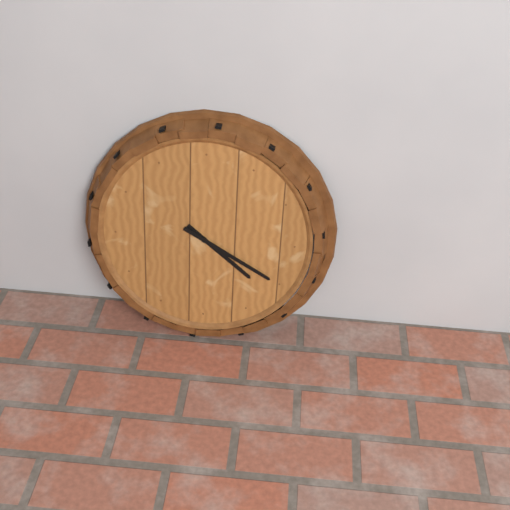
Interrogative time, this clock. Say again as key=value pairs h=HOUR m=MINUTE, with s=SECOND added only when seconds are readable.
h=4 m=20
